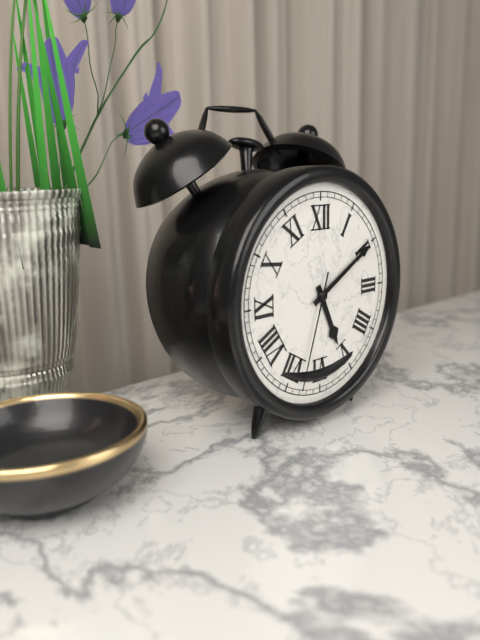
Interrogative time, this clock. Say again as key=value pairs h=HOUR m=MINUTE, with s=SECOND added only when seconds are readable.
h=5 m=10 s=33
